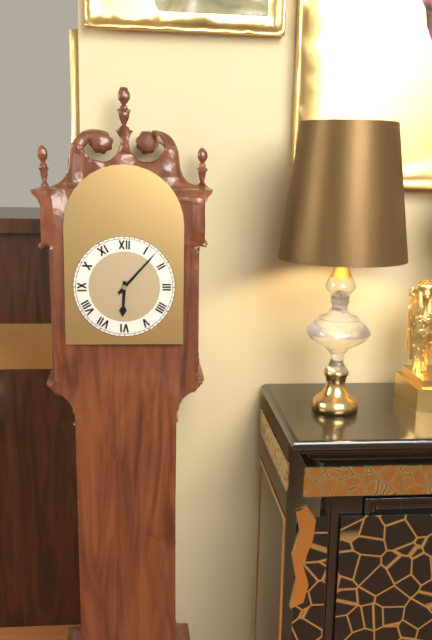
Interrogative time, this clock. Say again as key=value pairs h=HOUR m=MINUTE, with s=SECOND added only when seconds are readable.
h=6 m=7
